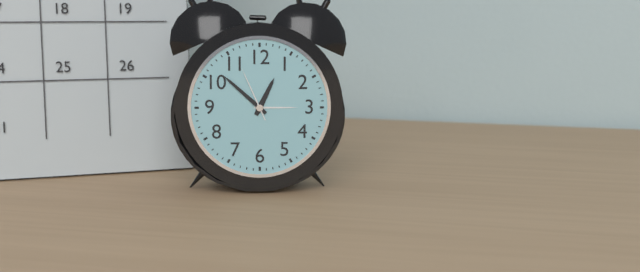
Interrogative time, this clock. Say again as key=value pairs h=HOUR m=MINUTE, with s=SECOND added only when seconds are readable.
h=12 m=52 s=56
